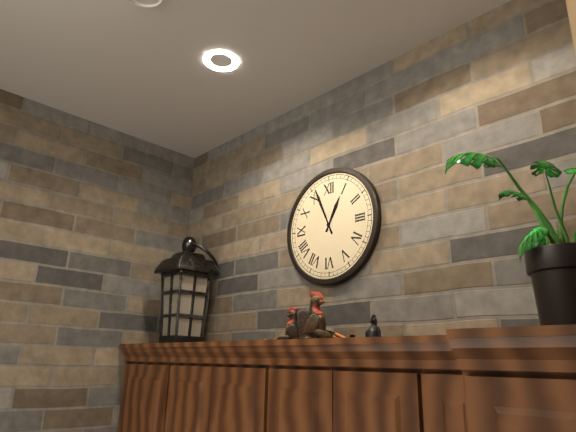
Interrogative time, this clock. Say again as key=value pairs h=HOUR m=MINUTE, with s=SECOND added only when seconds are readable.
h=12 m=56
